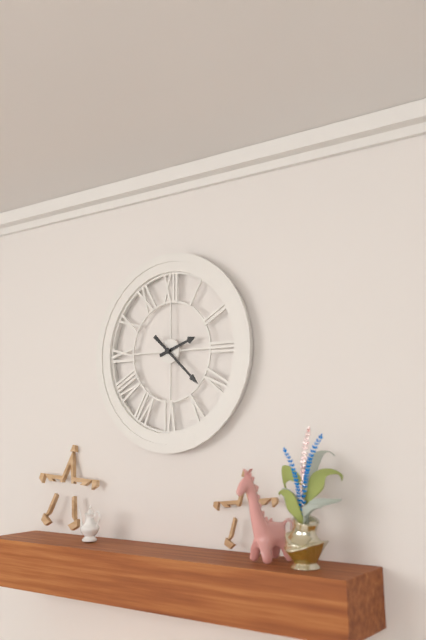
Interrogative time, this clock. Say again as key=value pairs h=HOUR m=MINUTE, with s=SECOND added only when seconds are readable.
h=2 m=22
